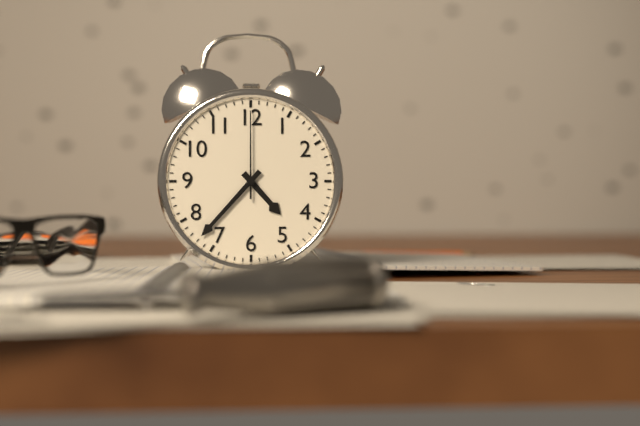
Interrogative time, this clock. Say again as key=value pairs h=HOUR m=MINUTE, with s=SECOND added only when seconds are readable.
h=4 m=37 s=0
